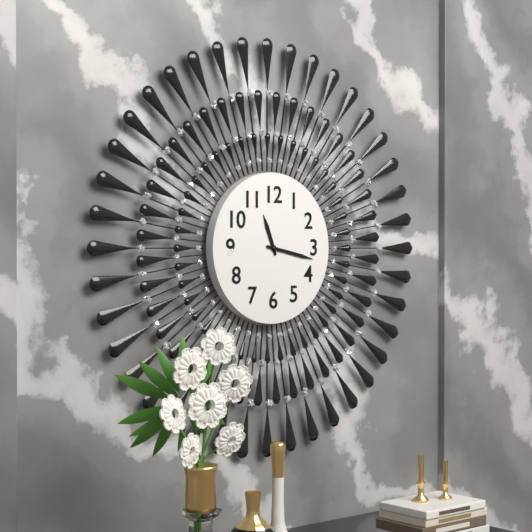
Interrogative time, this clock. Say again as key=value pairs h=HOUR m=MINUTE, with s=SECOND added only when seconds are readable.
h=11 m=17
